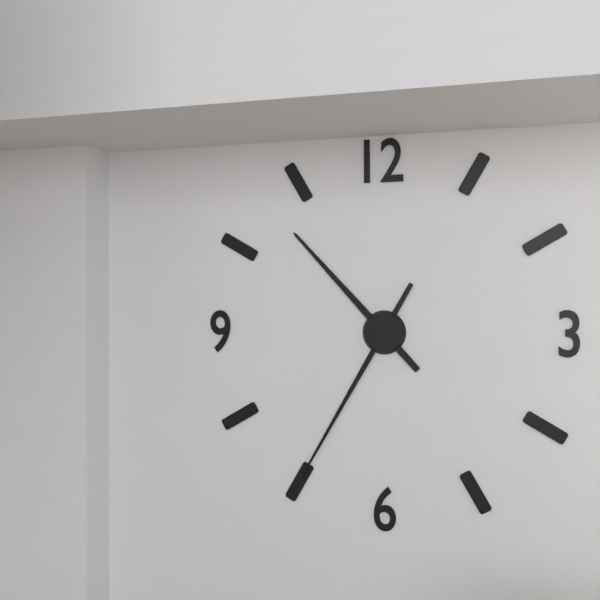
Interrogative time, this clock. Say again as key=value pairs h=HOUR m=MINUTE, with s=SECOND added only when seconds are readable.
h=10 m=35
